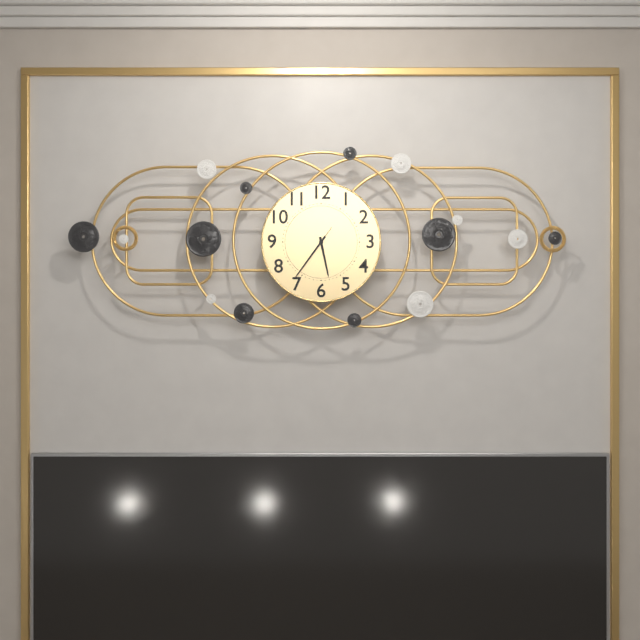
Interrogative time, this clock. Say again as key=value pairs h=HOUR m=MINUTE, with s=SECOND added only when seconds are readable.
h=5 m=36
